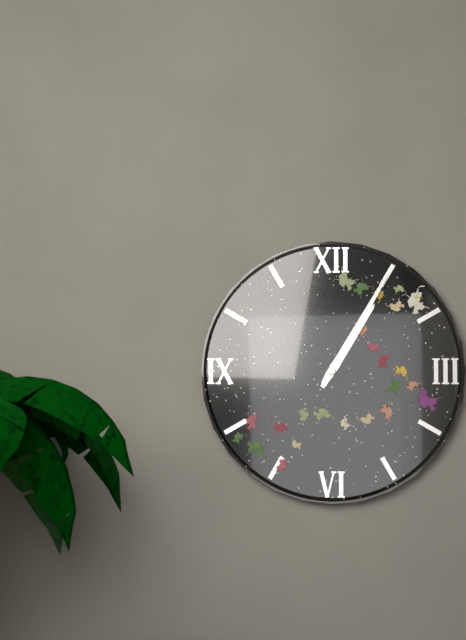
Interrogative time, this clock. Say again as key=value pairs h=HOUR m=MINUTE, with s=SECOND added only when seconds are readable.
h=1 m=5
